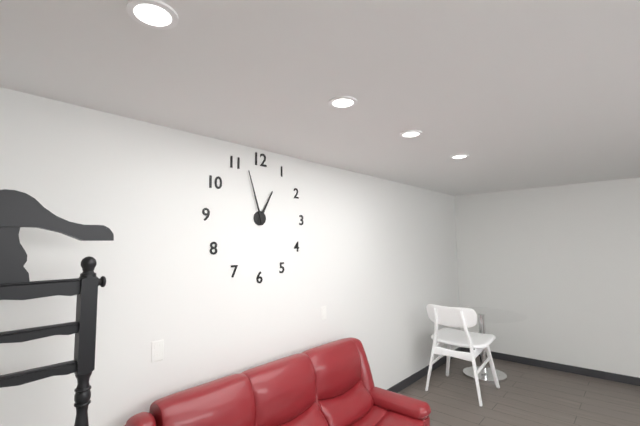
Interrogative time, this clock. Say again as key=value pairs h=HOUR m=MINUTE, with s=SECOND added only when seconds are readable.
h=12 m=57
